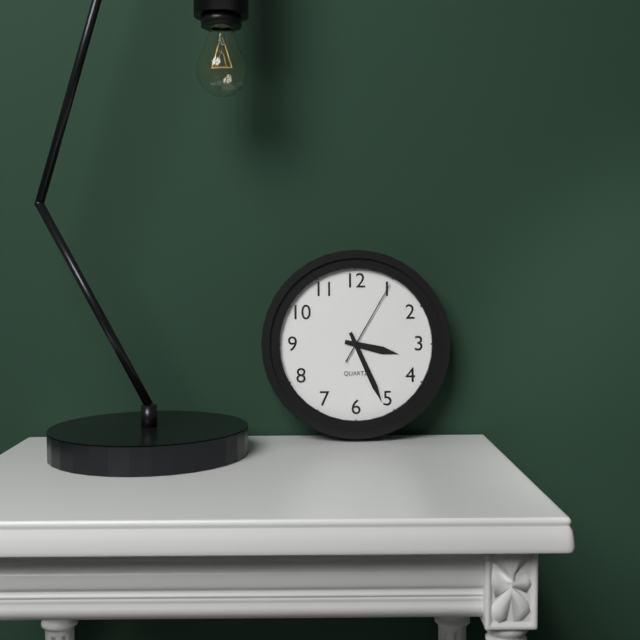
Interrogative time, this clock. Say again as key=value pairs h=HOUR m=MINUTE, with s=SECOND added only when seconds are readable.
h=3 m=26 s=5
